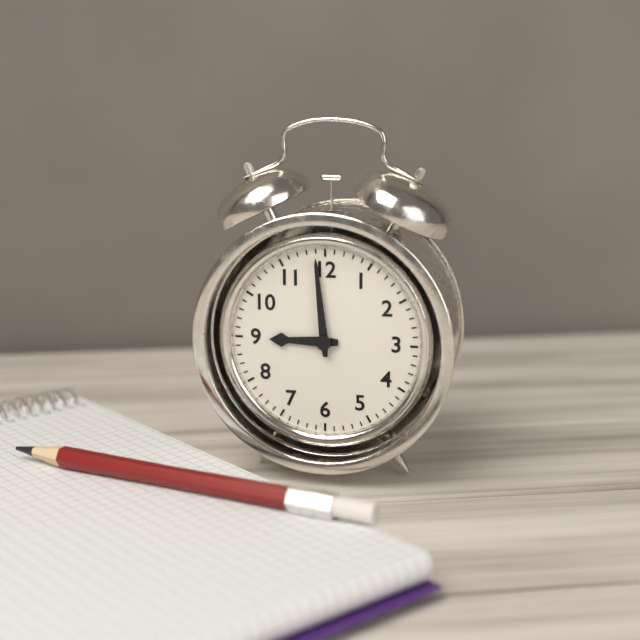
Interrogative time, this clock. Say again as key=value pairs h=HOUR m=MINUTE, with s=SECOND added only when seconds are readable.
h=8 m=59
